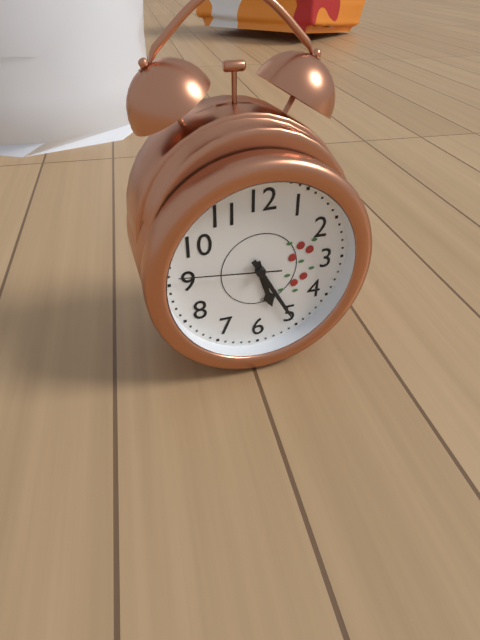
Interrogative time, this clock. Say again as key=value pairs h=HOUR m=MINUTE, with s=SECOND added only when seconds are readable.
h=5 m=25 s=46
